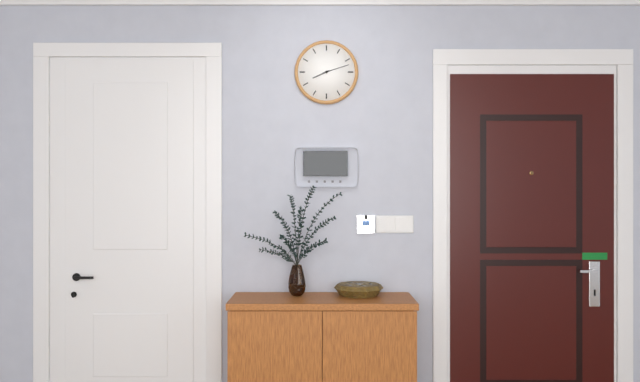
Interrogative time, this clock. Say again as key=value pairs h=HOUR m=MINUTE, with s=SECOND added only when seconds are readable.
h=8 m=12
